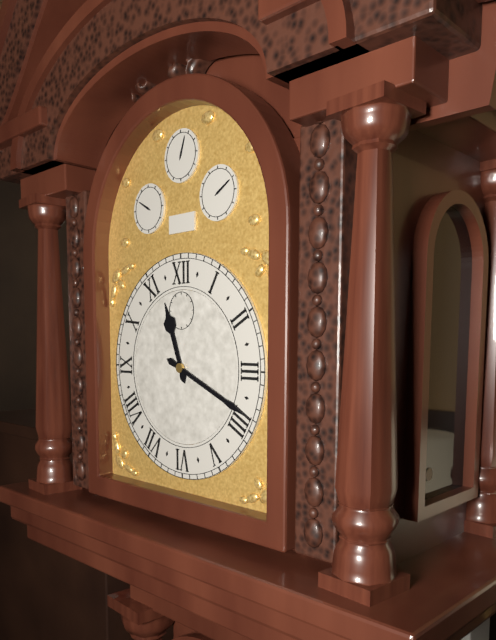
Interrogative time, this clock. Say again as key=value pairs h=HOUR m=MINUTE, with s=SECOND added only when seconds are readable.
h=11 m=19
